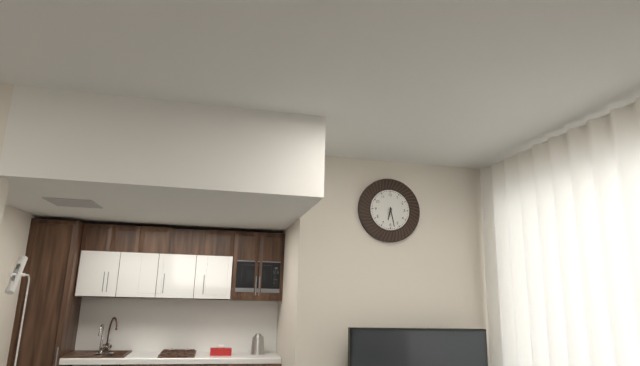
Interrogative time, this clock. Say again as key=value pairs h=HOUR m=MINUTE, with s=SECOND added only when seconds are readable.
h=6 m=28
